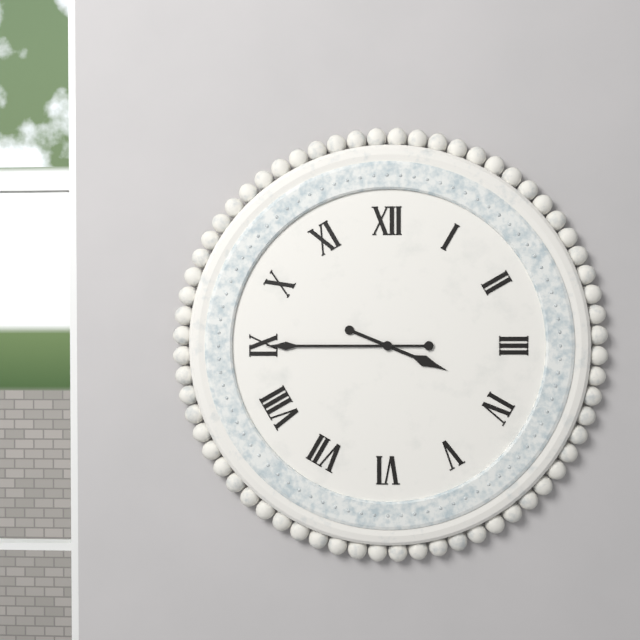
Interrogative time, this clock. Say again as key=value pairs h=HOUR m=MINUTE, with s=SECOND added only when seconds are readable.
h=3 m=45
